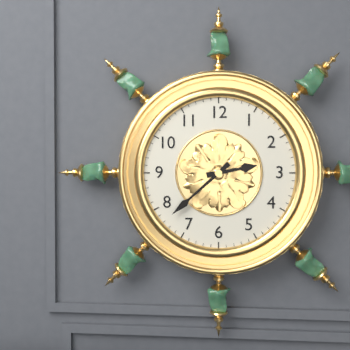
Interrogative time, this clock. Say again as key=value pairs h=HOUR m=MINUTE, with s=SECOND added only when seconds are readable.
h=2 m=38
